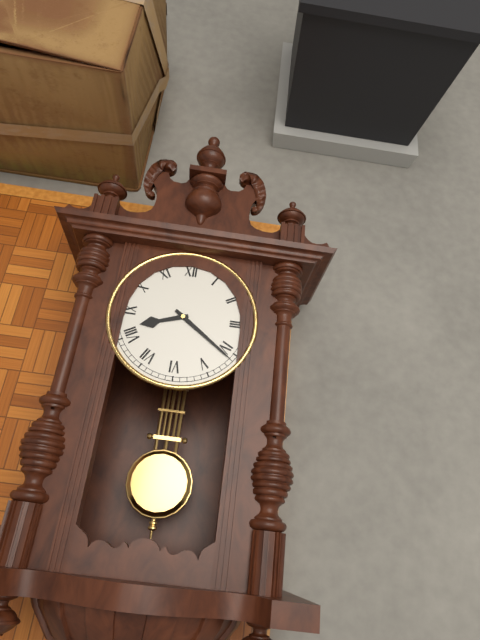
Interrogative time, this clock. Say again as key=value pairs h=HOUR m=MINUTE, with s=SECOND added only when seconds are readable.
h=8 m=21
